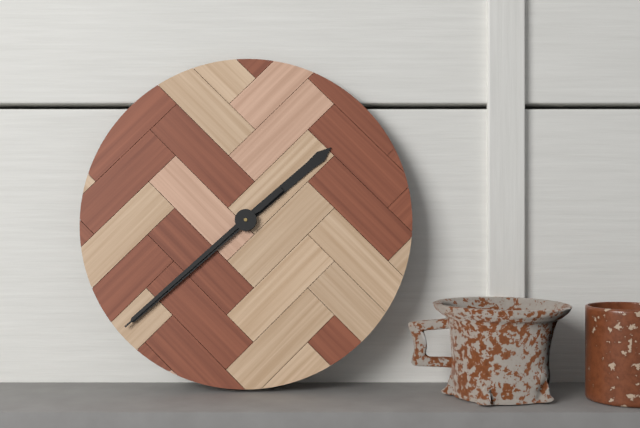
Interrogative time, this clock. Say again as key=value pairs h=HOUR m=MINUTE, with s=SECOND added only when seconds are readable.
h=1 m=38 s=38
